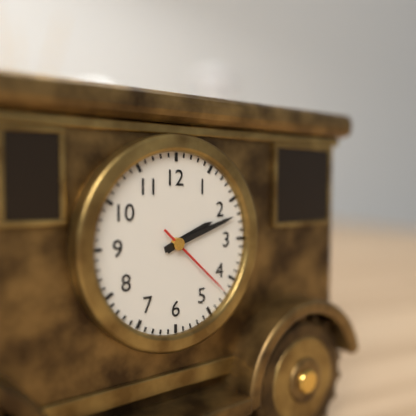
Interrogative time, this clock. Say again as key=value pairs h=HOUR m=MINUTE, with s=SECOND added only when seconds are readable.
h=2 m=12 s=22
